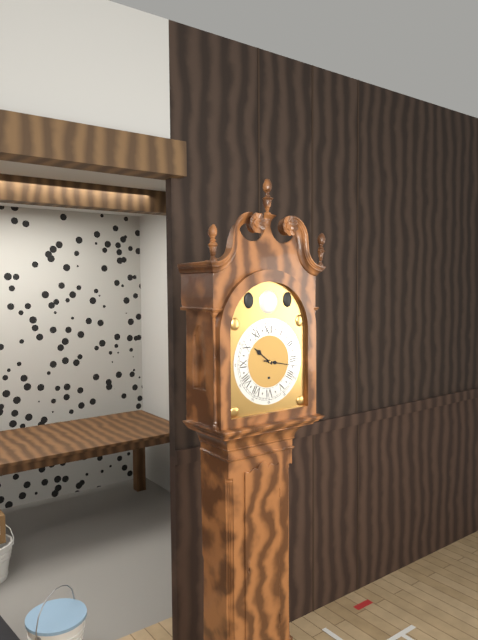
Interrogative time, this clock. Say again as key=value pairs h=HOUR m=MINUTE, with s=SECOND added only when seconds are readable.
h=10 m=17
